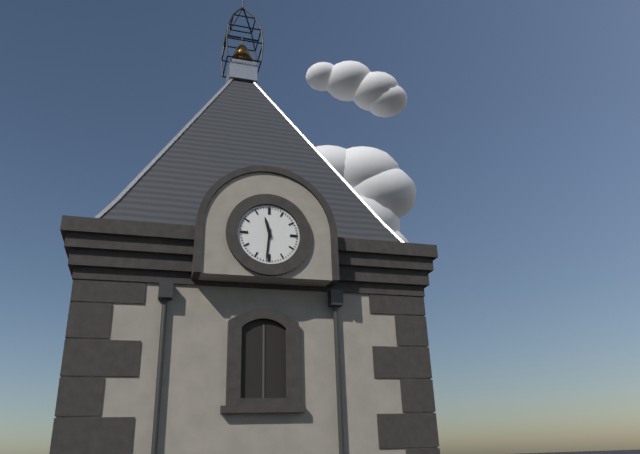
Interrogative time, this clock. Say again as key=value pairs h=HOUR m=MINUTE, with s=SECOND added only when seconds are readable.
h=11 m=31
